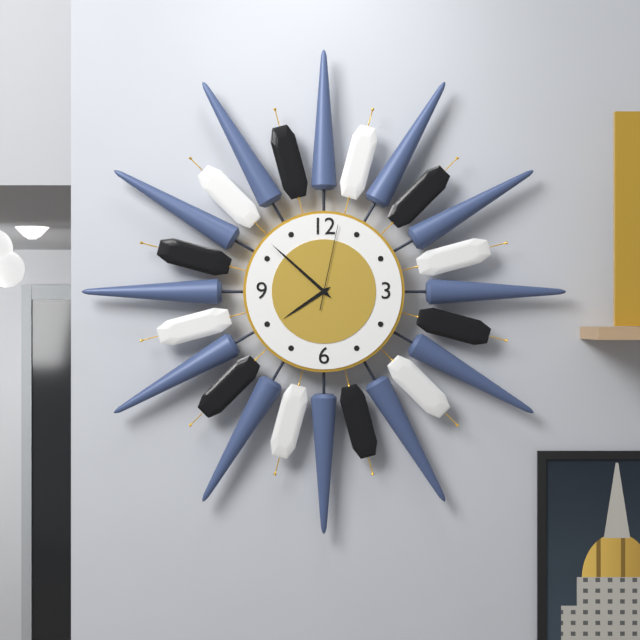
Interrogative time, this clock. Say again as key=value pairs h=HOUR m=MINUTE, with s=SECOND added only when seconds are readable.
h=7 m=52 s=2
